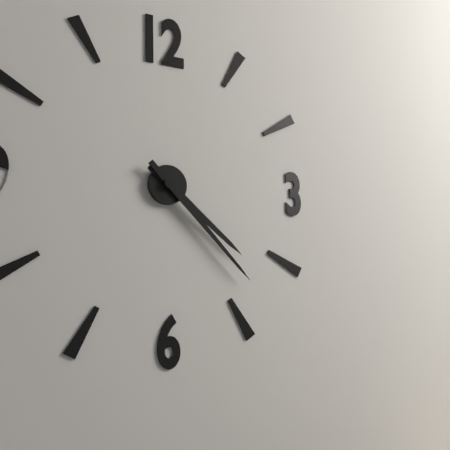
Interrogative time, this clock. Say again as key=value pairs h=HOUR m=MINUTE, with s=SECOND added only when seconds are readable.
h=4 m=23
